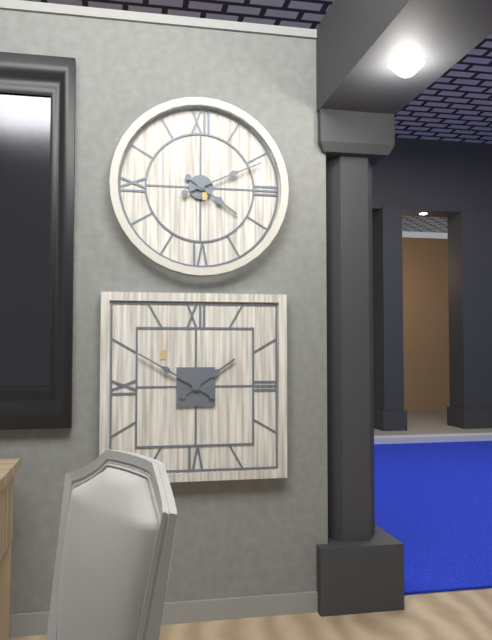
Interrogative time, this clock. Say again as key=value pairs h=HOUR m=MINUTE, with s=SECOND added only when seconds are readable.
h=4 m=11
